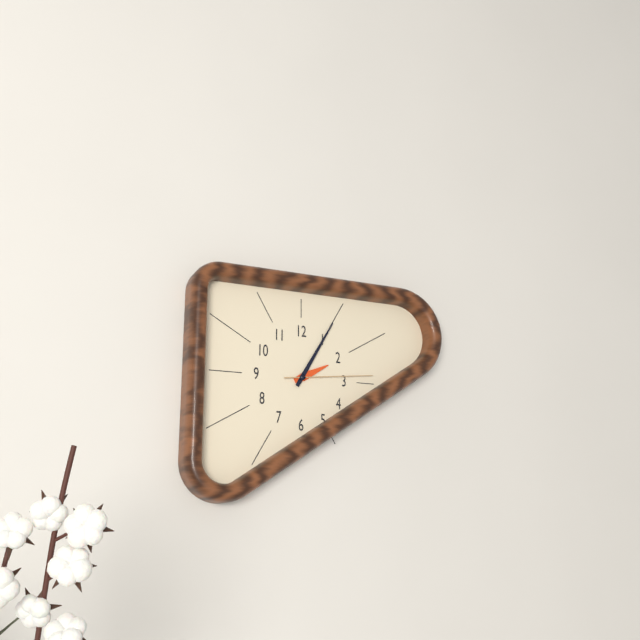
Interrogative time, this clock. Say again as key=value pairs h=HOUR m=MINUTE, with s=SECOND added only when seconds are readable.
h=2 m=5 s=14
